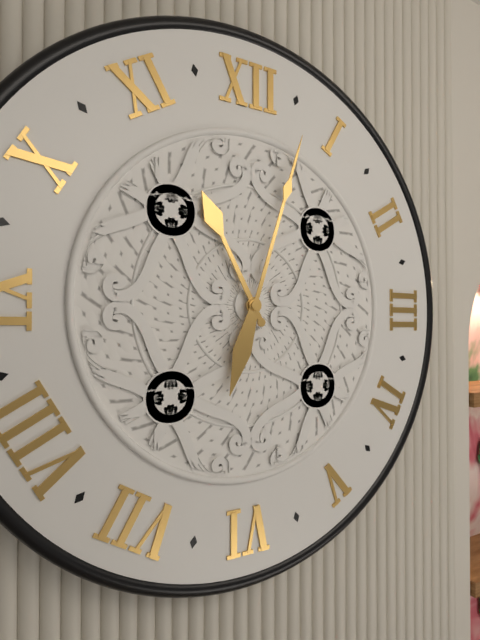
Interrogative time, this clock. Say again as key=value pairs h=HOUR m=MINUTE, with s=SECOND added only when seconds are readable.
h=11 m=3
